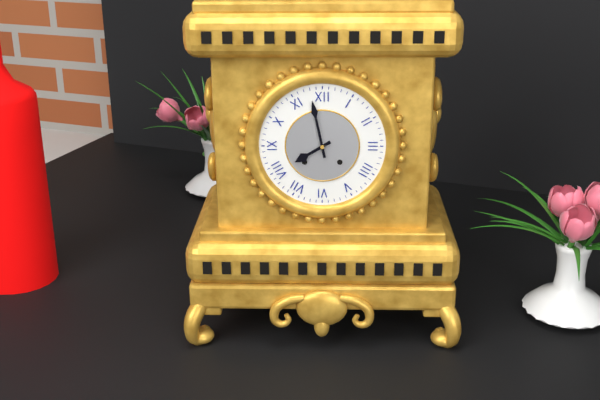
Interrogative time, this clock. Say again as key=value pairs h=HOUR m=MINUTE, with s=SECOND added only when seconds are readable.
h=7 m=58
